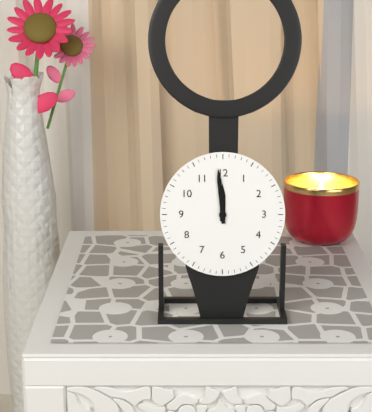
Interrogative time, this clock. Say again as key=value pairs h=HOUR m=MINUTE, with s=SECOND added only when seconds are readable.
h=11 m=59
